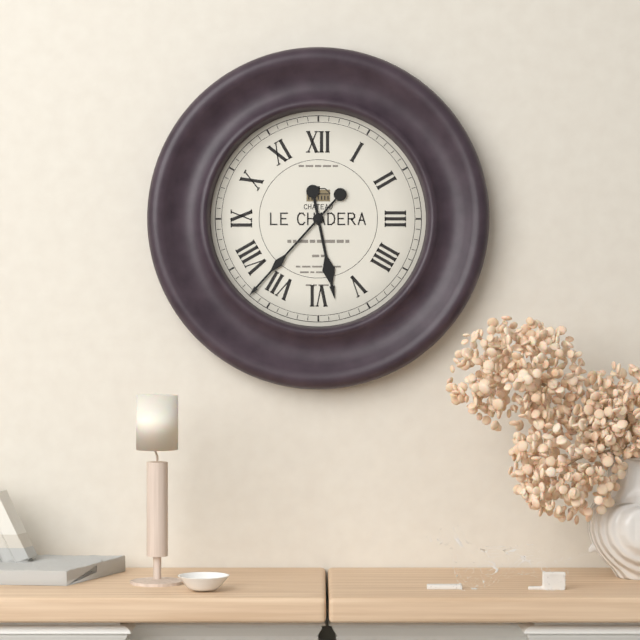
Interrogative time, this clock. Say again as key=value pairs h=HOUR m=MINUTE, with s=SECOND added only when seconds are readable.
h=5 m=37
